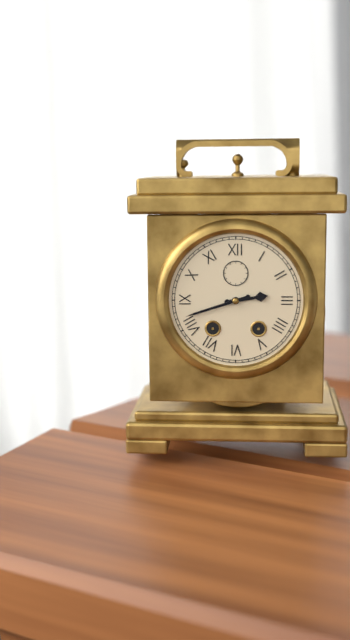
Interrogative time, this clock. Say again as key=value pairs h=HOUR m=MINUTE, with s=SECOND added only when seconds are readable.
h=2 m=42
